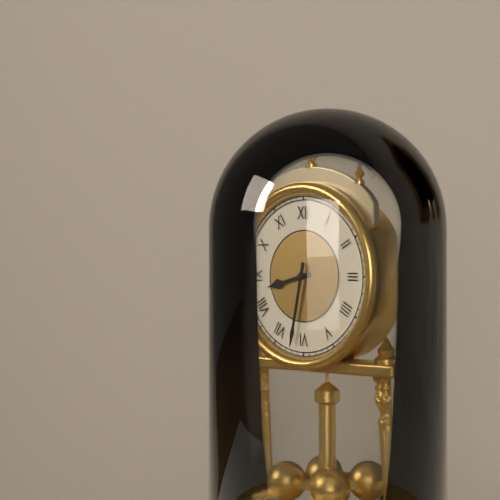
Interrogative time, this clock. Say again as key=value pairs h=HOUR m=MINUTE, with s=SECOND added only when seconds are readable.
h=8 m=32
